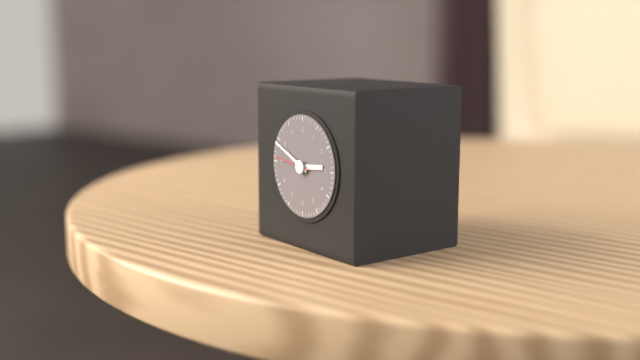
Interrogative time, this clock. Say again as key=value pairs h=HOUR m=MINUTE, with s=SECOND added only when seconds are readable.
h=2 m=49
